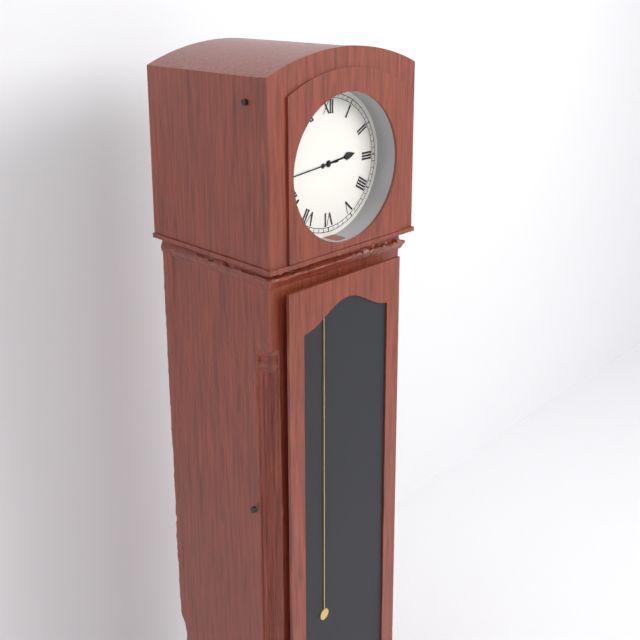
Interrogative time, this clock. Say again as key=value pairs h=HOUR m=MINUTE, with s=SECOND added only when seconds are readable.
h=2 m=44
